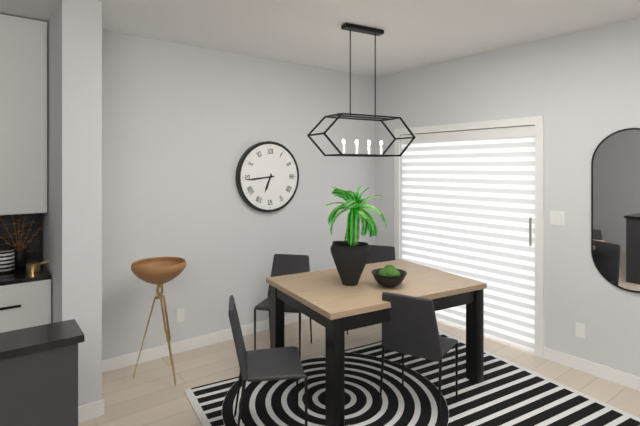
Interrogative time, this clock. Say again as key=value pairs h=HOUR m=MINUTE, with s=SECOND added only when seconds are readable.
h=6 m=44
